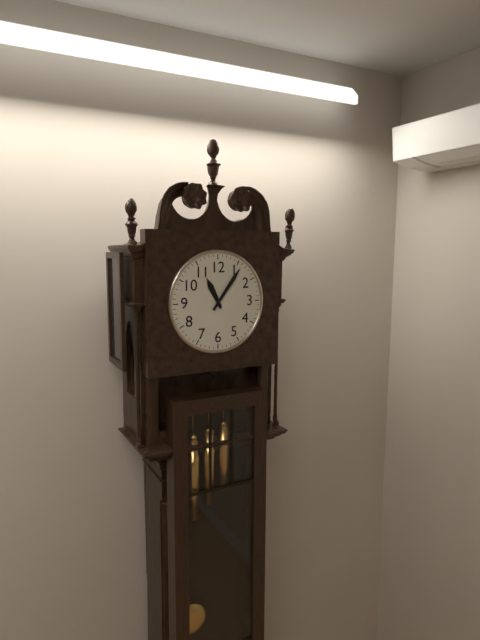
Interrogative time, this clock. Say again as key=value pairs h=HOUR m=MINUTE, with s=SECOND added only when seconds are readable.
h=11 m=6
